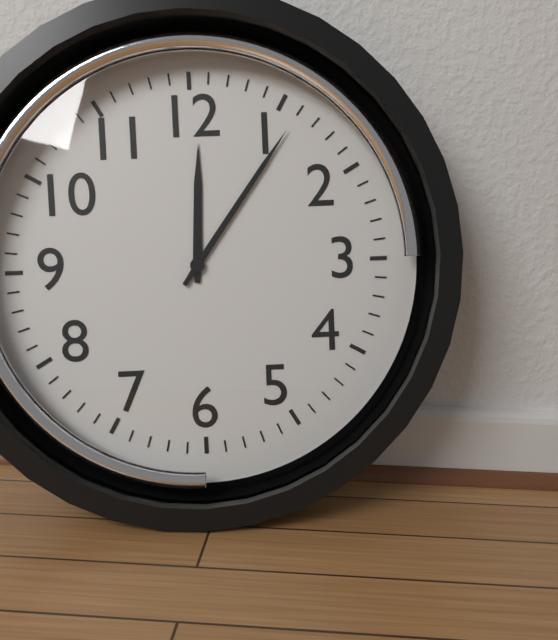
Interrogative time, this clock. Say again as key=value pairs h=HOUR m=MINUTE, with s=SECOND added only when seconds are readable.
h=12 m=6
